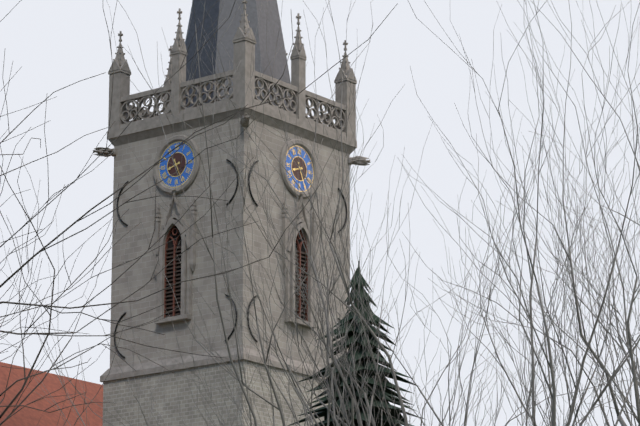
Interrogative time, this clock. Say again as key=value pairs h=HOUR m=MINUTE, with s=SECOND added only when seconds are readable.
h=8 m=26
